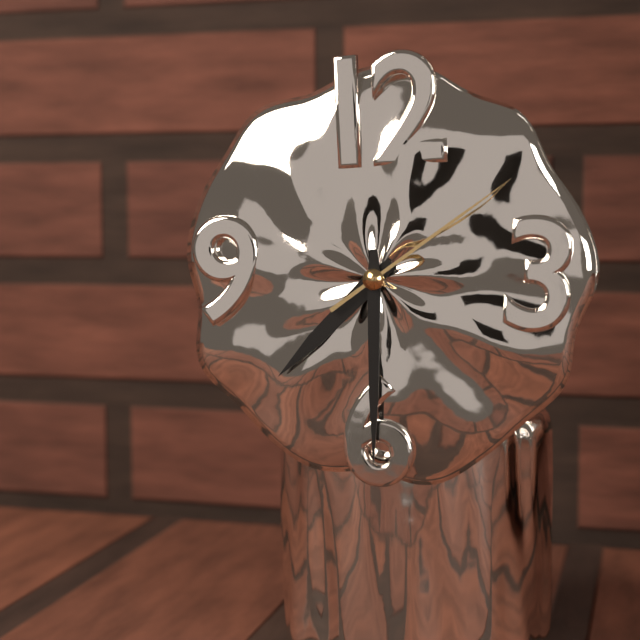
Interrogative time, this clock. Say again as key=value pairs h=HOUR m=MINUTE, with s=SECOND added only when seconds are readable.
h=7 m=30 s=9
